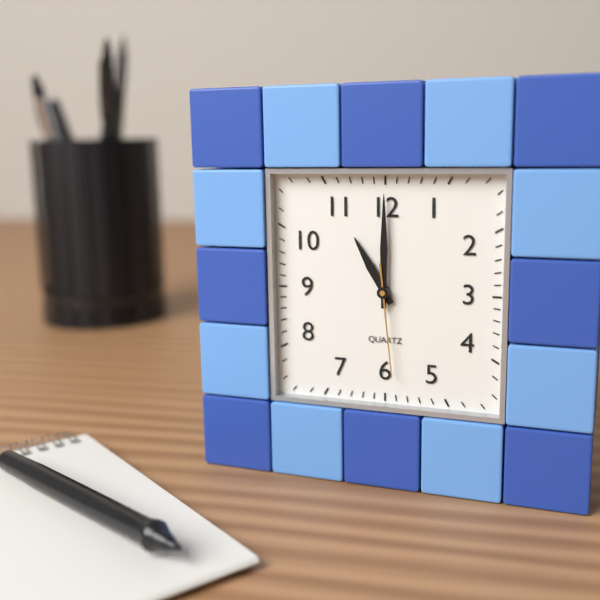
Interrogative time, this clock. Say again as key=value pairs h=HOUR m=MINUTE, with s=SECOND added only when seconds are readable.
h=11 m=0 s=29
